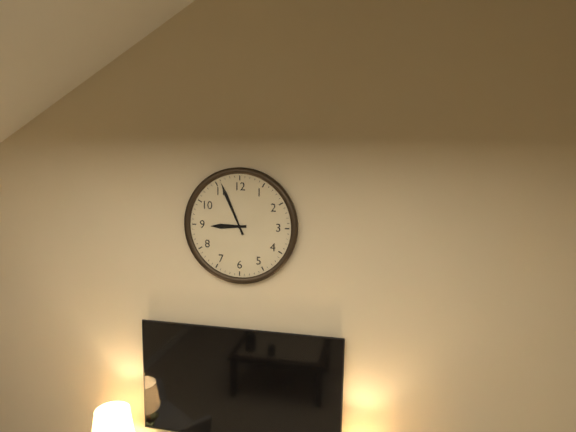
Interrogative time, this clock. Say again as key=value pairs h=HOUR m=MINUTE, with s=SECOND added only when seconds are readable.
h=8 m=56
